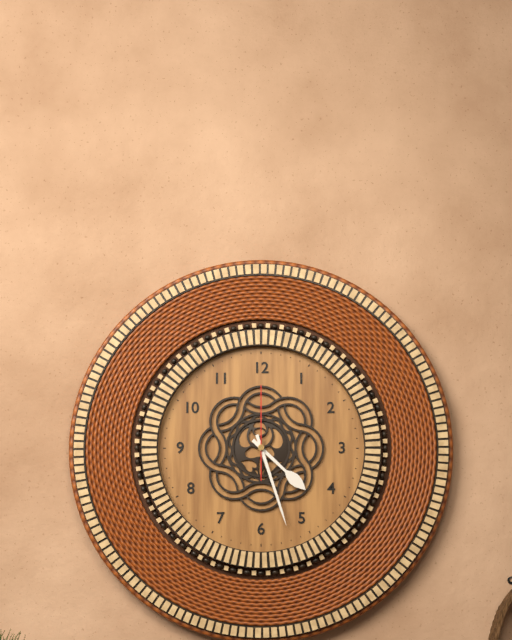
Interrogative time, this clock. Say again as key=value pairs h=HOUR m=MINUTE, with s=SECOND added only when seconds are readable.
h=4 m=27 s=0
